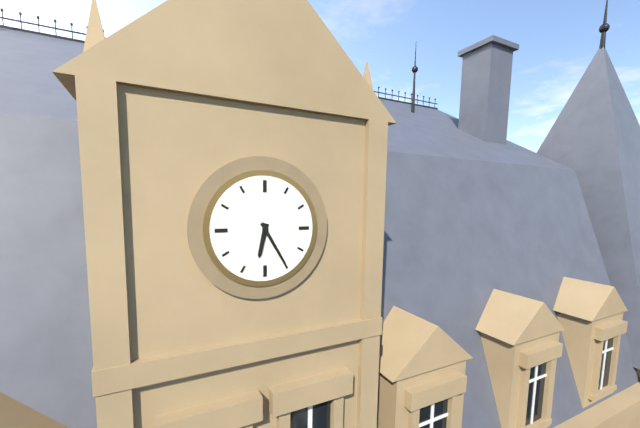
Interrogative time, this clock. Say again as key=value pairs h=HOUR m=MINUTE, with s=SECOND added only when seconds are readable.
h=6 m=25
